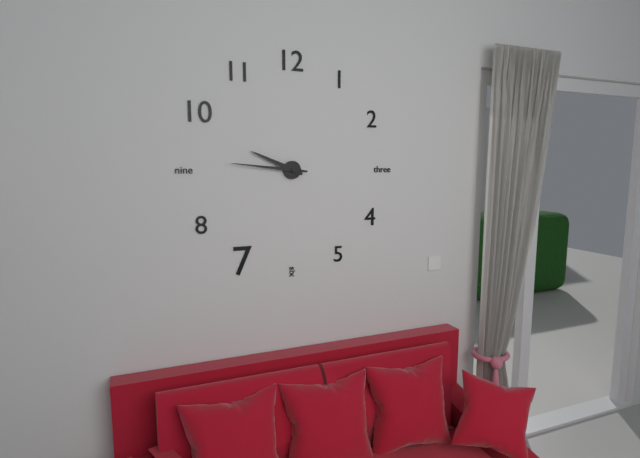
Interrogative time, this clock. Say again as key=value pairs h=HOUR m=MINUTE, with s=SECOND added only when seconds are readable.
h=9 m=46
